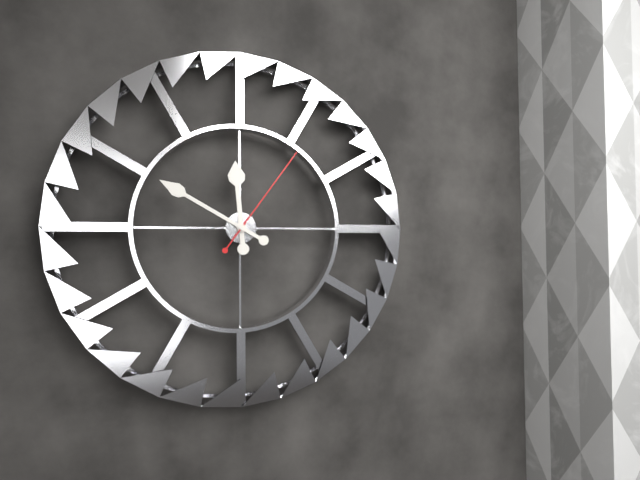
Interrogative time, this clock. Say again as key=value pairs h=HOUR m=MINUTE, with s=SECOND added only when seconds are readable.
h=11 m=50 s=6
